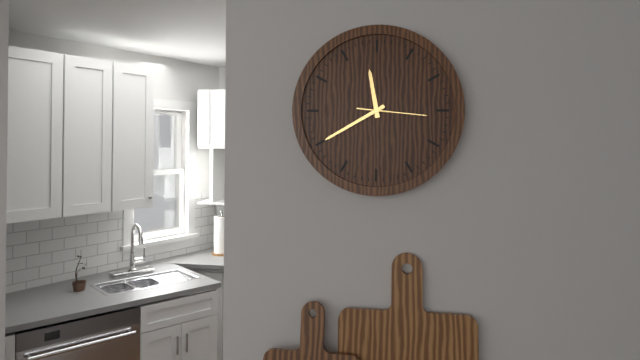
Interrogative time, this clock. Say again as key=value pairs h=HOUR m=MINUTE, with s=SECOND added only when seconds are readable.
h=11 m=40 s=16
